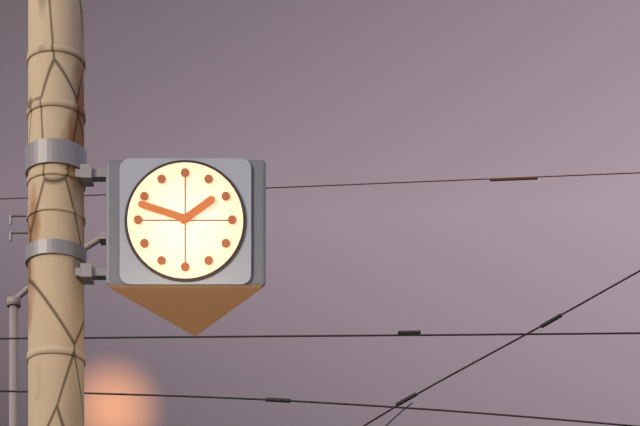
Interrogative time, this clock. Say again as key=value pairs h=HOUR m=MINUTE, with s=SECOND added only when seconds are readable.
h=1 m=48
